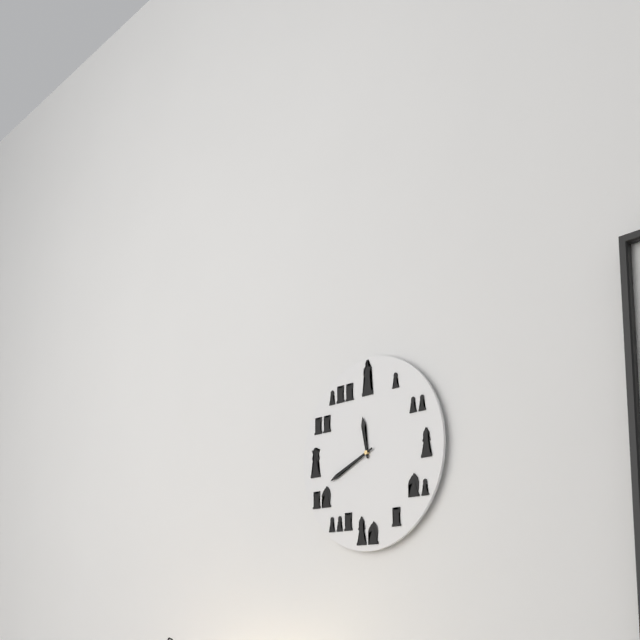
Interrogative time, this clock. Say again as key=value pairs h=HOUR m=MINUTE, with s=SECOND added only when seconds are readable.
h=11 m=41
